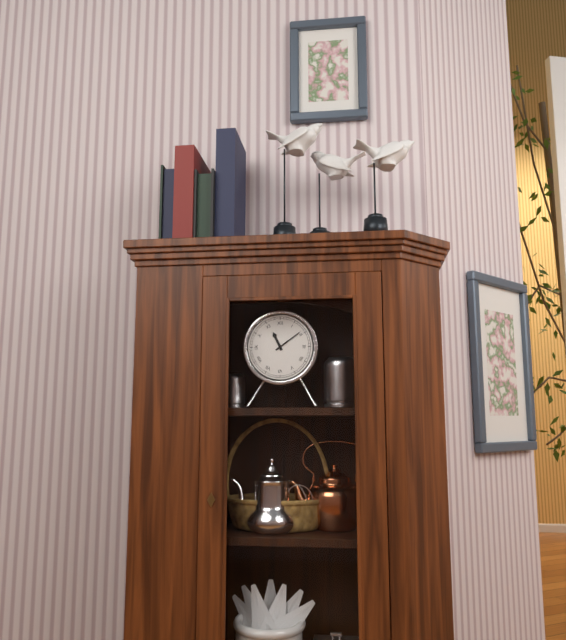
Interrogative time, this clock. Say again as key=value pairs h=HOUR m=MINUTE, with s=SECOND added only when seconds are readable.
h=11 m=9
